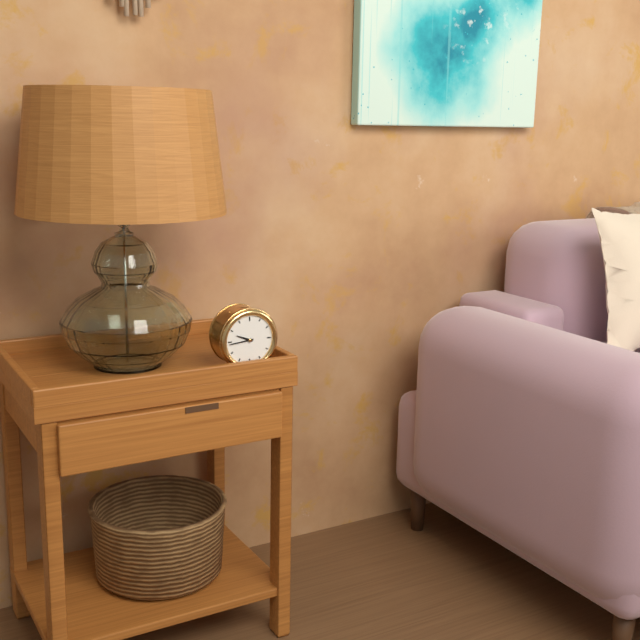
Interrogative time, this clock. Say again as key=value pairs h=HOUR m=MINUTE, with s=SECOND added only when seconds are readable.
h=9 m=44
